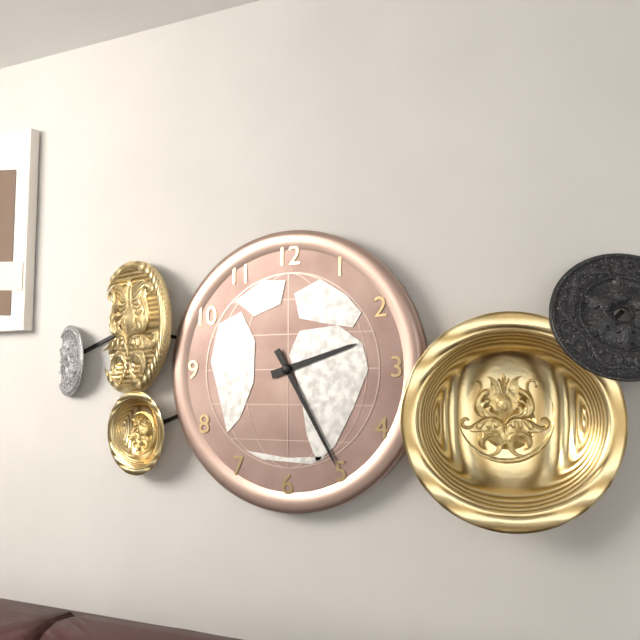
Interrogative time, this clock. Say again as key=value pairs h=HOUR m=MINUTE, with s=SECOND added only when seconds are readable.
h=2 m=25
